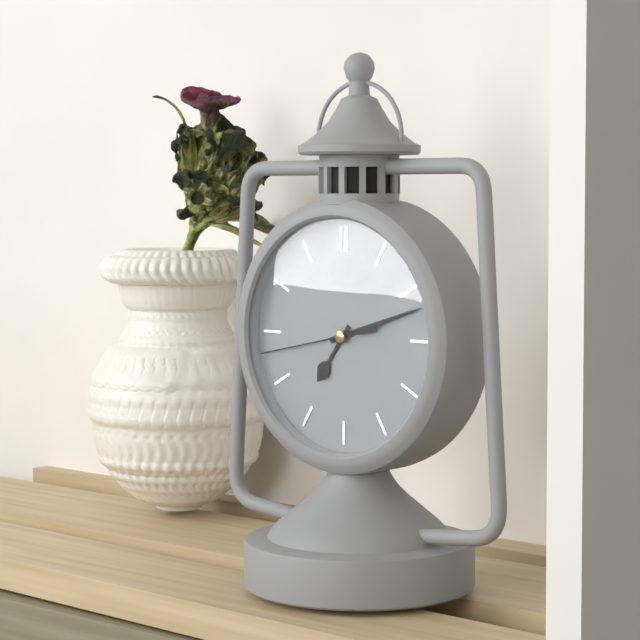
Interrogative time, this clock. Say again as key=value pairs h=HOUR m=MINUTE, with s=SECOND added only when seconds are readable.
h=7 m=12 s=43
